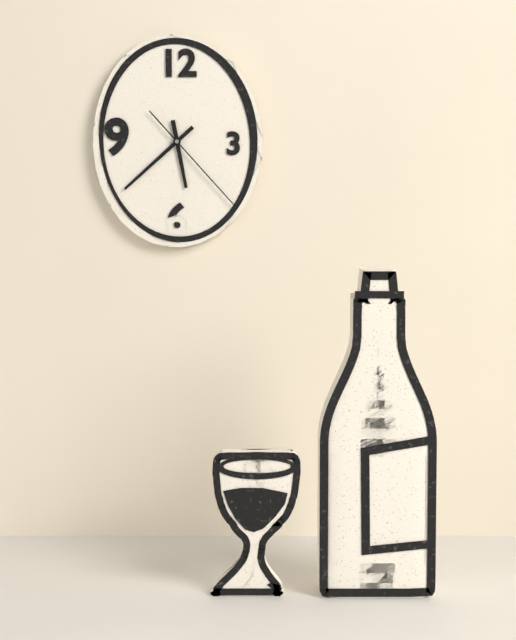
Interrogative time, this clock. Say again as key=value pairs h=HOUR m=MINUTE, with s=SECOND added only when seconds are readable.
h=5 m=38 s=23
